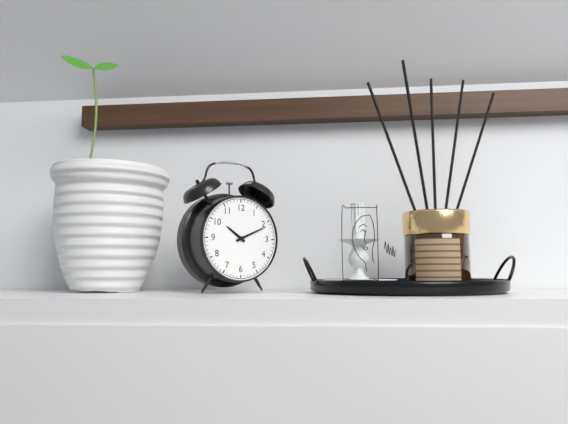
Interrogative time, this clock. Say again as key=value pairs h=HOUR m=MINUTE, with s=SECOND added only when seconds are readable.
h=10 m=11
